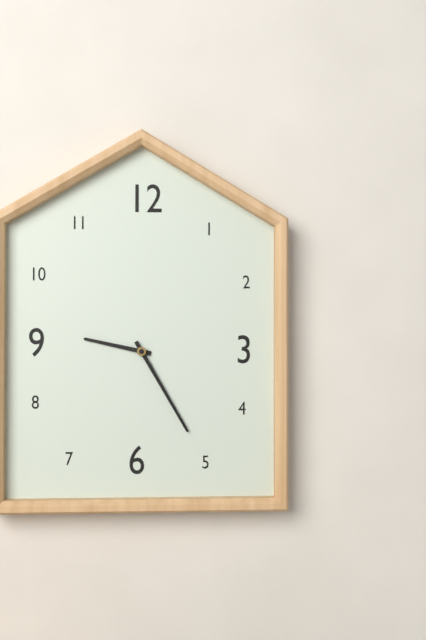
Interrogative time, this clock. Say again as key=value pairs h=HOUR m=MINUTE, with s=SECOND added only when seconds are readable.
h=9 m=25
